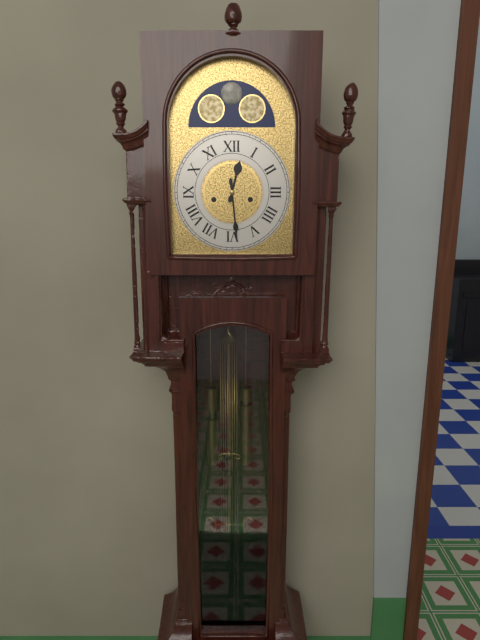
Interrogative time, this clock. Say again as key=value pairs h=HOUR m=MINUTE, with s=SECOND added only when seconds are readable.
h=12 m=29
